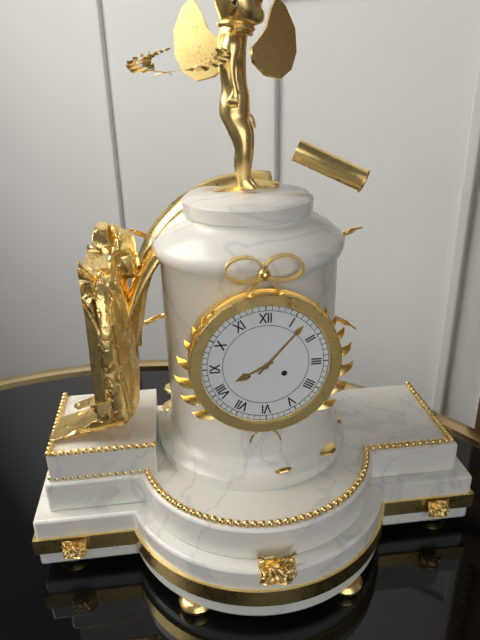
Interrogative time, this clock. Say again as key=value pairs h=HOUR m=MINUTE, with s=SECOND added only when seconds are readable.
h=8 m=7
